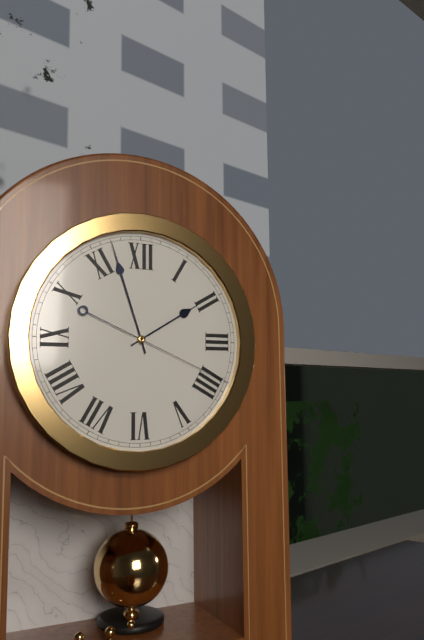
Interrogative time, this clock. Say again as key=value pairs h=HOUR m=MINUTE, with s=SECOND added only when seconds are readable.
h=1 m=57 s=19
